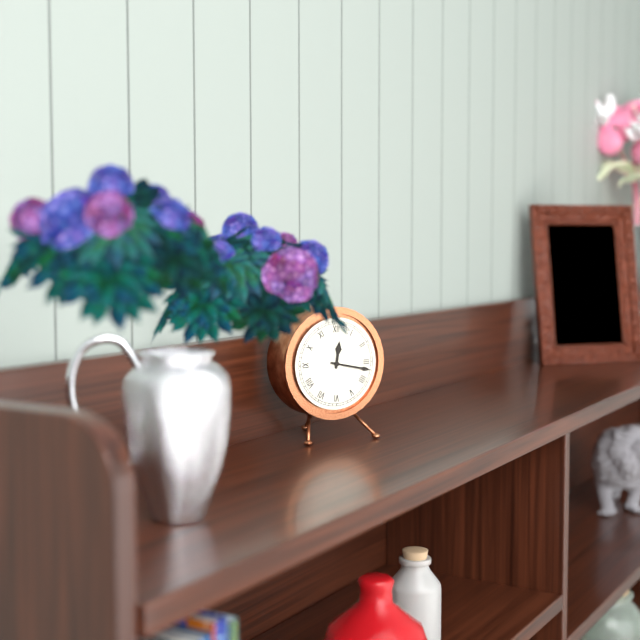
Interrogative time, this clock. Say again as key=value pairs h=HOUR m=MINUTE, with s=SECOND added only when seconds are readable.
h=12 m=17
